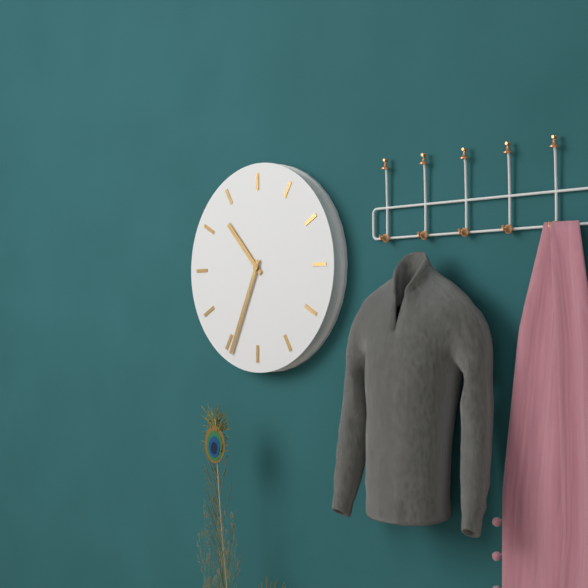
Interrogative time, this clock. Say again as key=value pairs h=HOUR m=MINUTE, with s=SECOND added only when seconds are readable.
h=10 m=34
